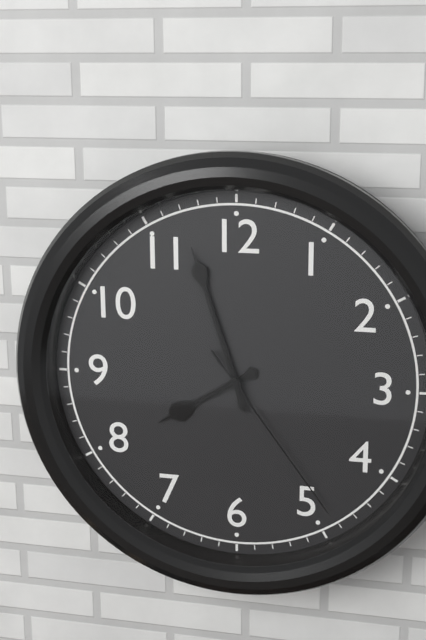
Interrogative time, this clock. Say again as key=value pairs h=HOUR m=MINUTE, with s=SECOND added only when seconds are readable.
h=7 m=57 s=24
